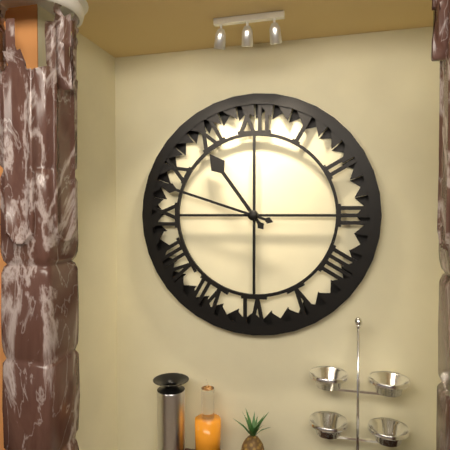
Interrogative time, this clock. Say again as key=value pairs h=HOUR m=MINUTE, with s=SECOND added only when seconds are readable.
h=10 m=48
